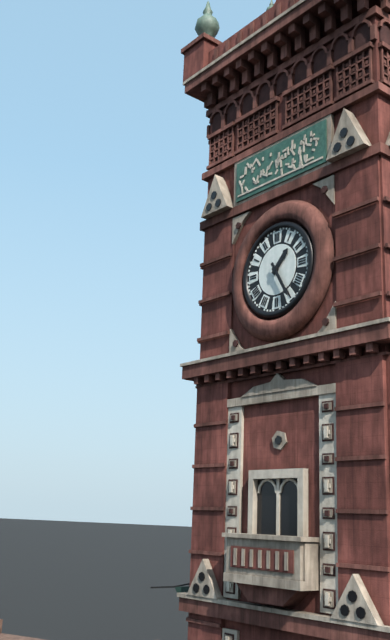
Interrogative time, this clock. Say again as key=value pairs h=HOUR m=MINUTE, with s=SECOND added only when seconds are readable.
h=1 m=25
